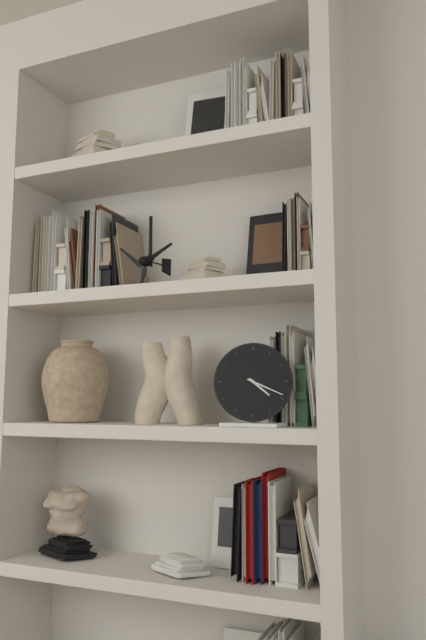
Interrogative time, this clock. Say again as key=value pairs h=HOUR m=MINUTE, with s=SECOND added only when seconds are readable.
h=4 m=19
